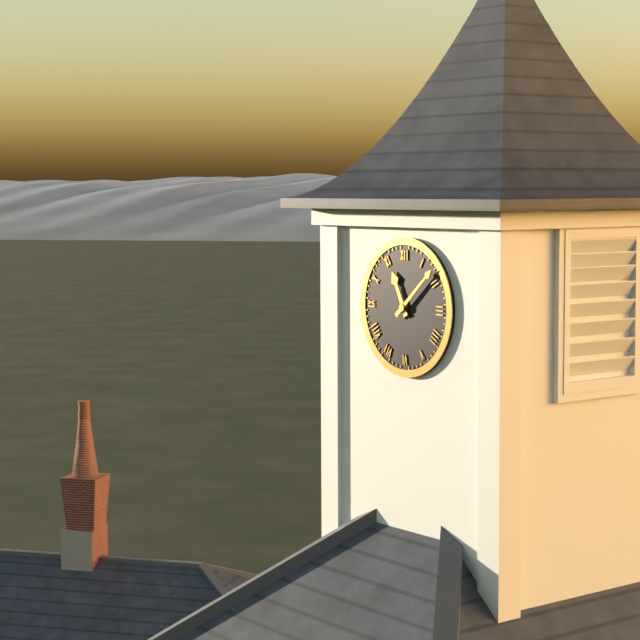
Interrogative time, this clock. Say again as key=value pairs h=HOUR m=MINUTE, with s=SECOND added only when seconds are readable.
h=11 m=8
